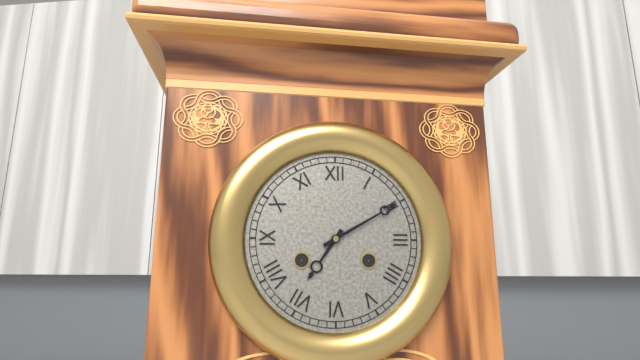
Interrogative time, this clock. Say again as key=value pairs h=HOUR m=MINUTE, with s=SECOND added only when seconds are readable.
h=7 m=10
